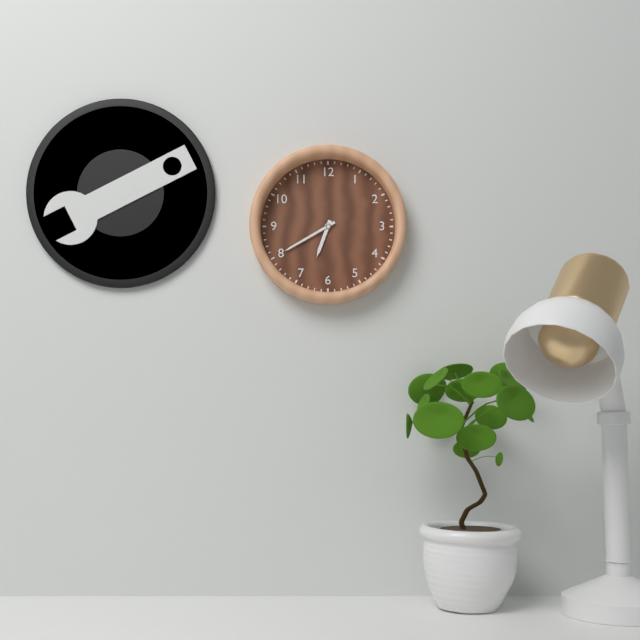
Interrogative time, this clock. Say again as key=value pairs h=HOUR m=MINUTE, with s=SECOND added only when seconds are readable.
h=6 m=40
